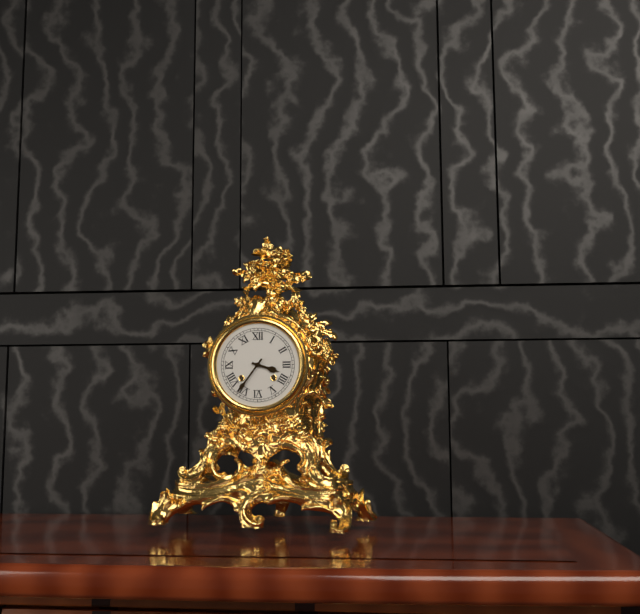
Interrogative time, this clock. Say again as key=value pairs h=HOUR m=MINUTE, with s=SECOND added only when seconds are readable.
h=3 m=36
